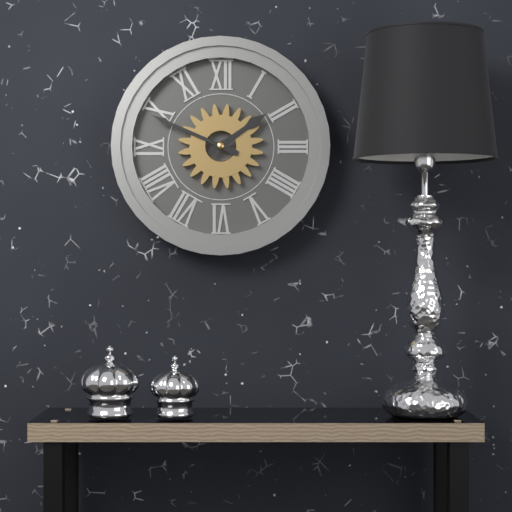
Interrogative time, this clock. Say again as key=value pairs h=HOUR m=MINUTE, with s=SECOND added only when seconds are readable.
h=1 m=49
